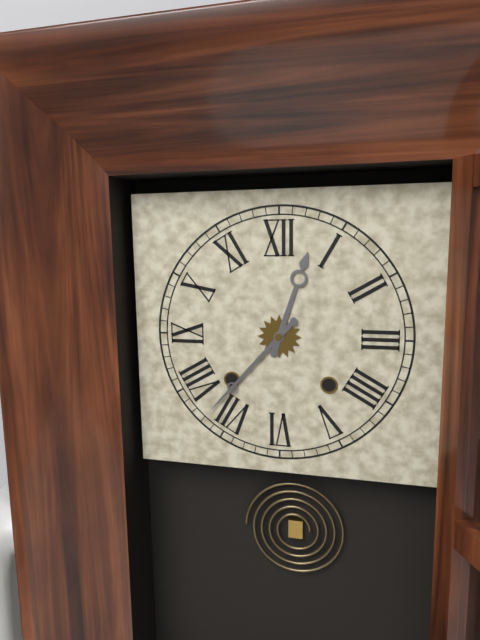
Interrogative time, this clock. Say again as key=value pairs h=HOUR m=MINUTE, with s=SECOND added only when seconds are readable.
h=12 m=37
